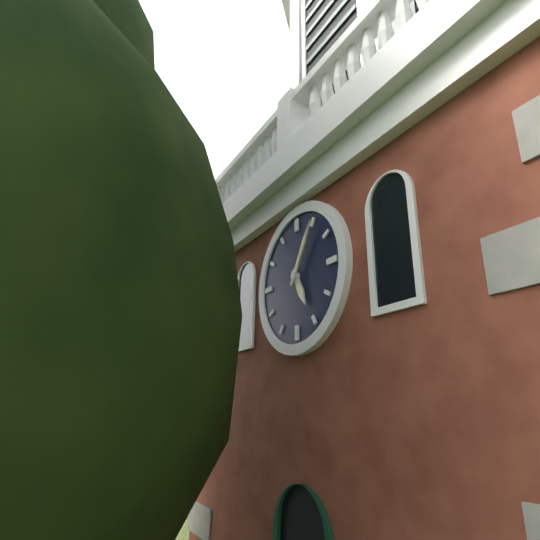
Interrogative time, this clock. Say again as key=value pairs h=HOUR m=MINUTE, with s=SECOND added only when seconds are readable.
h=5 m=5
